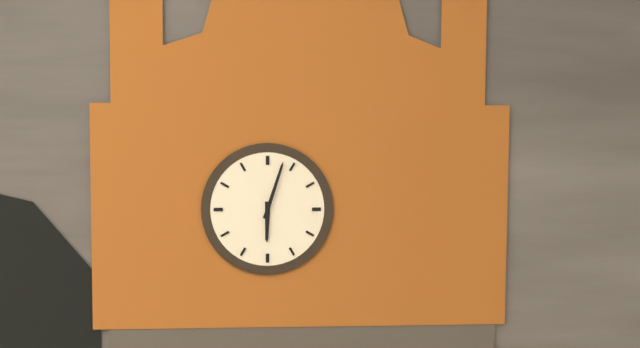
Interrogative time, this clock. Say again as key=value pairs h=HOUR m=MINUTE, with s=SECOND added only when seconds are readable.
h=6 m=3
